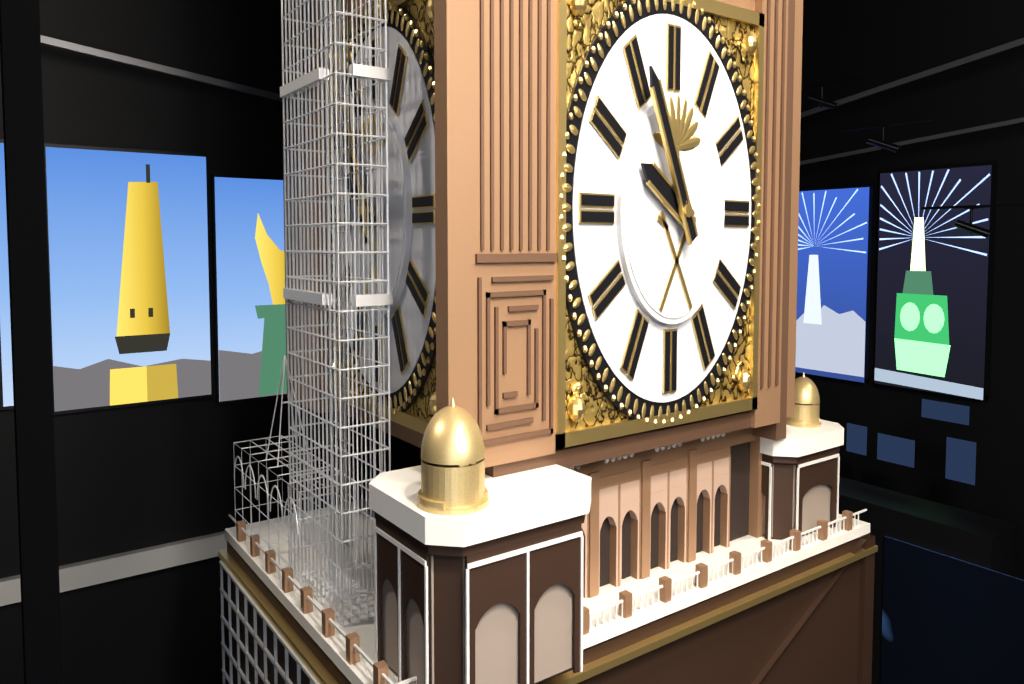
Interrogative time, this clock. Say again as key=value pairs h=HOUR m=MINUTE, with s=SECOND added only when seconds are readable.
h=9 m=55
